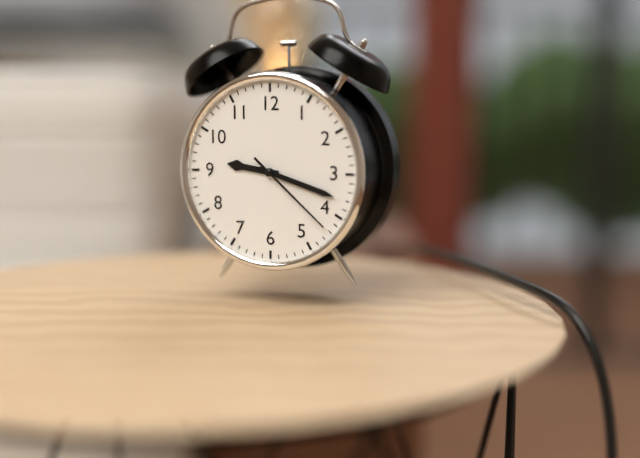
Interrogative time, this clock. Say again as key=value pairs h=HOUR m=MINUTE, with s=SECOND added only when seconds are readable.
h=9 m=18 s=22
